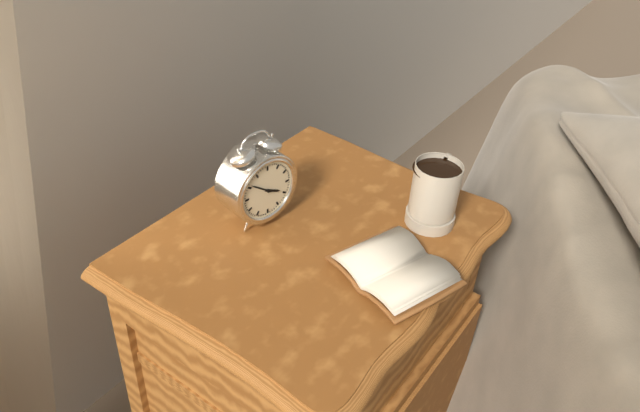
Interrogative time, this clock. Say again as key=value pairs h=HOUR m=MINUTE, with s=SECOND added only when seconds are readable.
h=3 m=51
